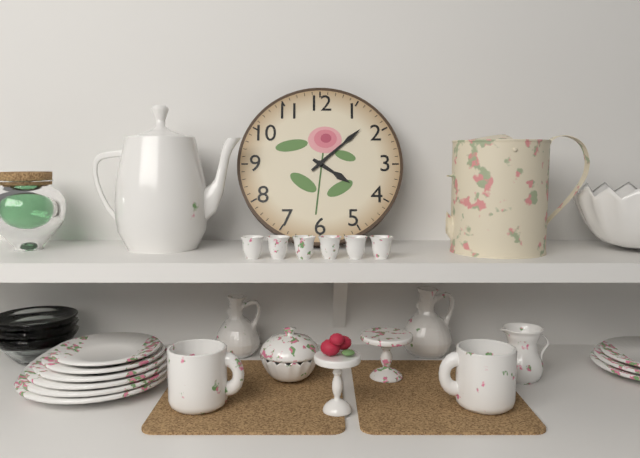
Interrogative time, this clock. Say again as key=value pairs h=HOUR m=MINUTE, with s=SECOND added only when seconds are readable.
h=4 m=8
